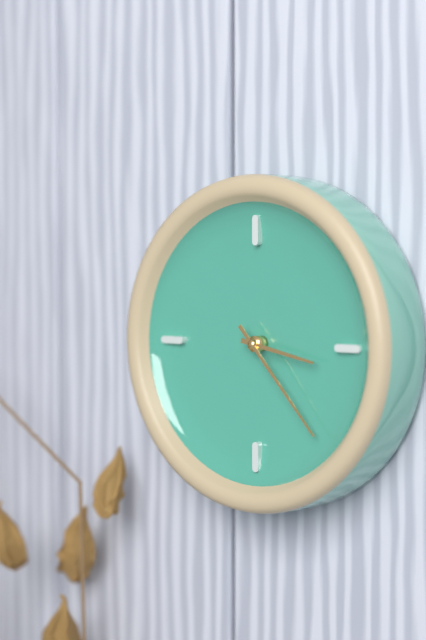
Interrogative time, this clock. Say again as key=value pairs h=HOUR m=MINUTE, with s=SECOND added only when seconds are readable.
h=3 m=23
